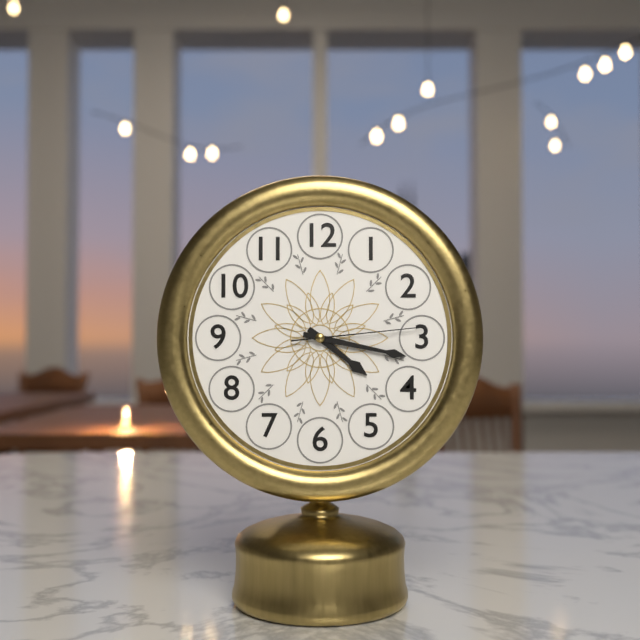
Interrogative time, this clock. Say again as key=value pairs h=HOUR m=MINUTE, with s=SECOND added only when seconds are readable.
h=4 m=17 s=14
